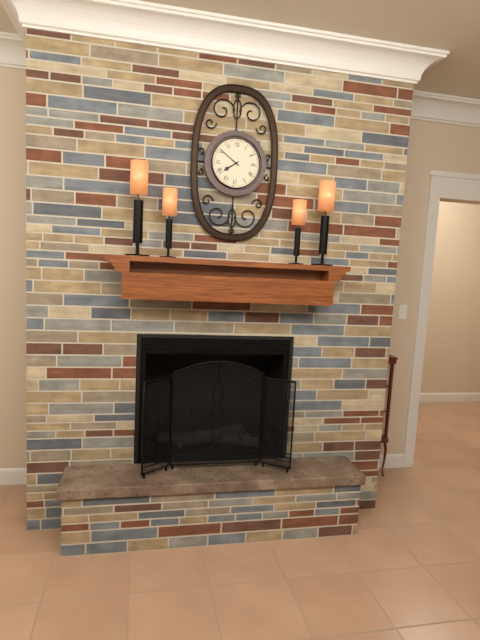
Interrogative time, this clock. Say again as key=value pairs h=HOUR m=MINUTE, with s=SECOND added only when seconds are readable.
h=7 m=51
